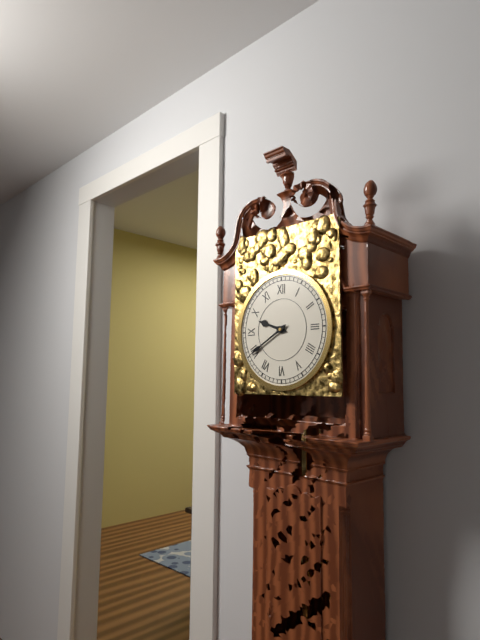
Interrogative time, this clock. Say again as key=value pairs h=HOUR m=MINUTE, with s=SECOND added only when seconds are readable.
h=9 m=40
